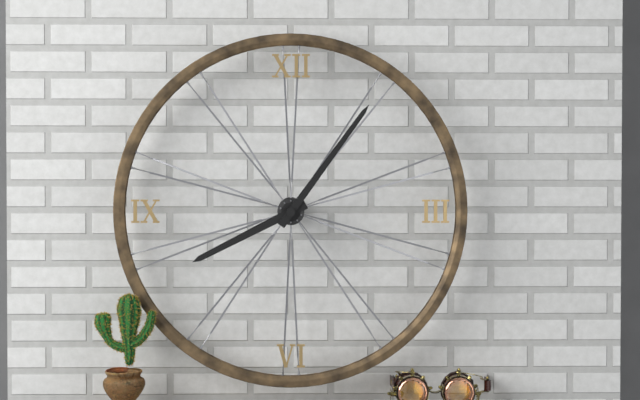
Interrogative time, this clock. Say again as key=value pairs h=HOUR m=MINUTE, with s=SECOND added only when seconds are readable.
h=8 m=6
